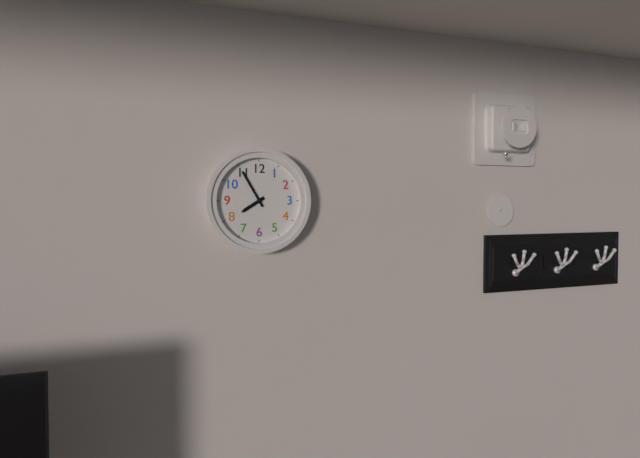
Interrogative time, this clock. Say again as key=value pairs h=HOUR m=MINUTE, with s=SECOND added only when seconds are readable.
h=7 m=55
